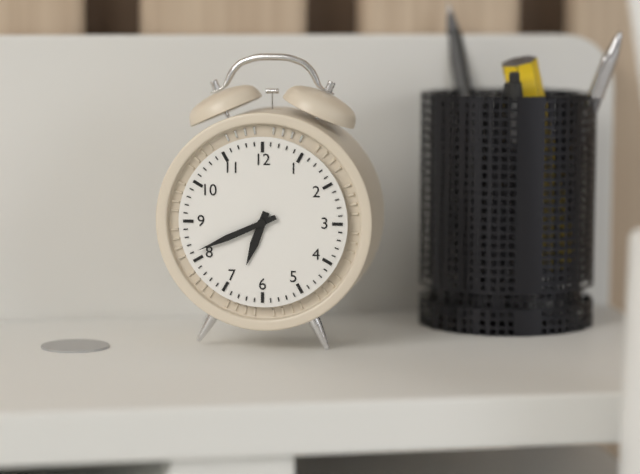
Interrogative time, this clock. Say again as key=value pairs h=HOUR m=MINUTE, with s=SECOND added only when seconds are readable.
h=6 m=41
